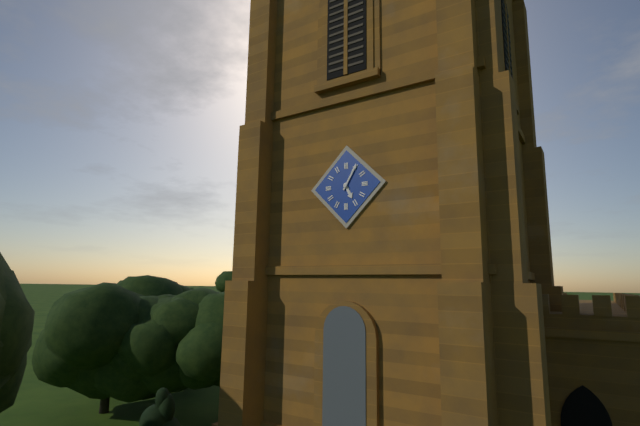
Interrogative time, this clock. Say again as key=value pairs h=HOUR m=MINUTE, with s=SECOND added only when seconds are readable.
h=5 m=5
